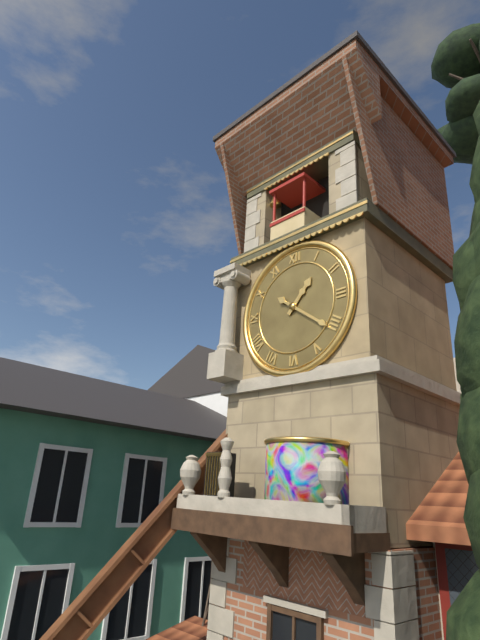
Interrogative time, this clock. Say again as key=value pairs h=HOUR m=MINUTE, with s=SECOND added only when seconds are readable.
h=1 m=21
